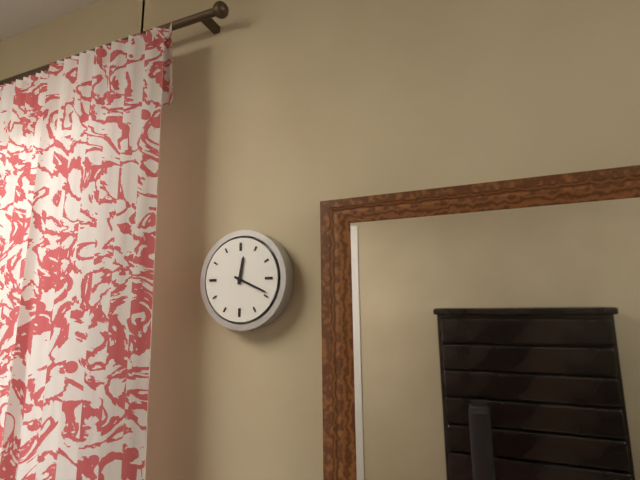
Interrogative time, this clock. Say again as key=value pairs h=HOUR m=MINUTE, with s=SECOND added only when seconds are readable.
h=12 m=19
